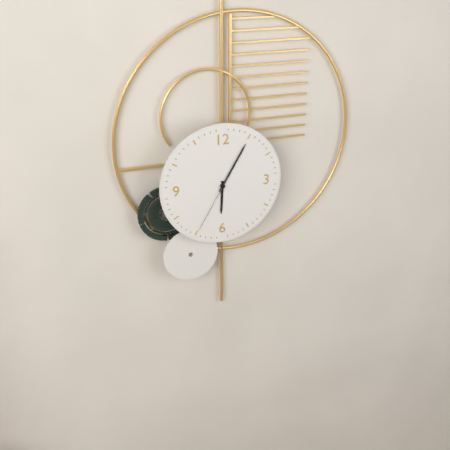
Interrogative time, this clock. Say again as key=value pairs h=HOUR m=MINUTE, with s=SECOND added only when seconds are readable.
h=6 m=5 s=35
